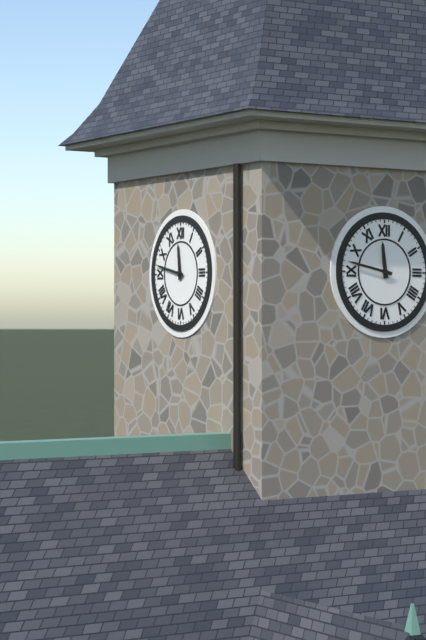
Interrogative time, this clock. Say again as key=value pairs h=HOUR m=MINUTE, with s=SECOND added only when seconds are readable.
h=11 m=47
